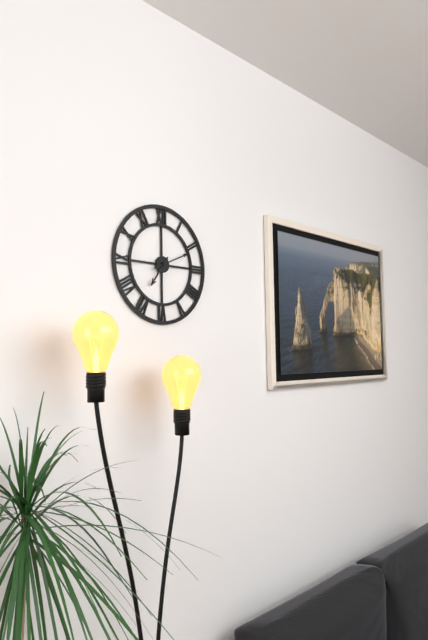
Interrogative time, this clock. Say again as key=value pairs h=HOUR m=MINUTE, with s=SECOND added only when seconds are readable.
h=7 m=11
